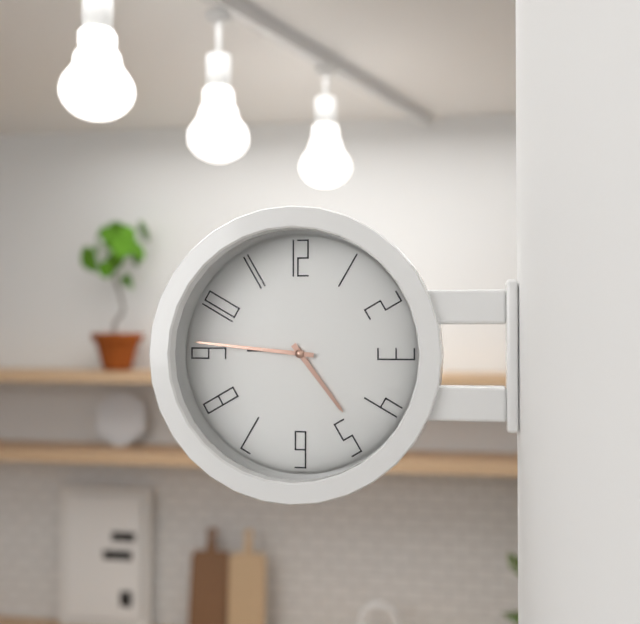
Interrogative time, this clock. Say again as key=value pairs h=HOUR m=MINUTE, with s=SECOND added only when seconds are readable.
h=4 m=46
